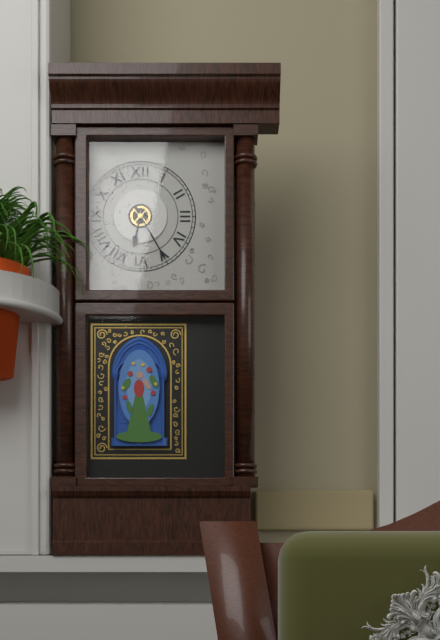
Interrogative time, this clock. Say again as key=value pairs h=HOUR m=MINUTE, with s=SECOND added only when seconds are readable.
h=6 m=25
